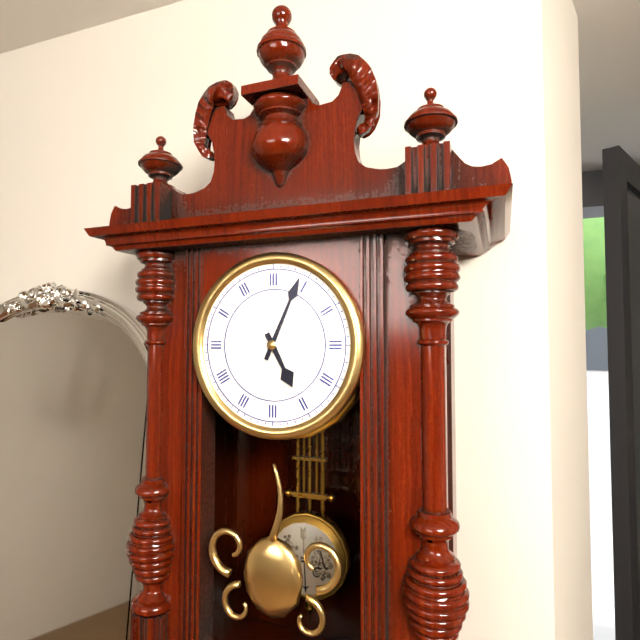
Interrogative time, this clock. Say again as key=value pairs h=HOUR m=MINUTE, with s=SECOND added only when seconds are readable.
h=5 m=4
